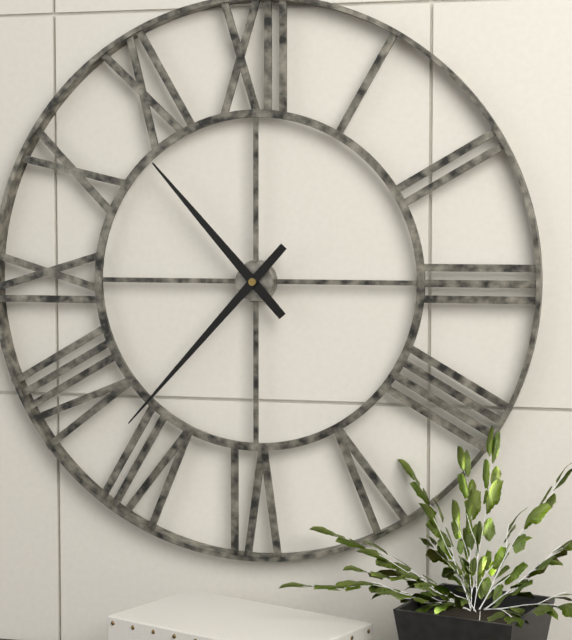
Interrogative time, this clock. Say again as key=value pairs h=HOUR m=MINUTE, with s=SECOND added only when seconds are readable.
h=10 m=37
